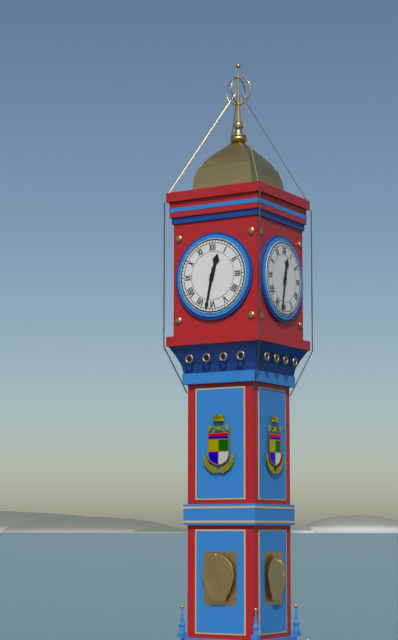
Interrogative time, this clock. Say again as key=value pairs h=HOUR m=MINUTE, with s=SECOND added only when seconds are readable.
h=12 m=32
